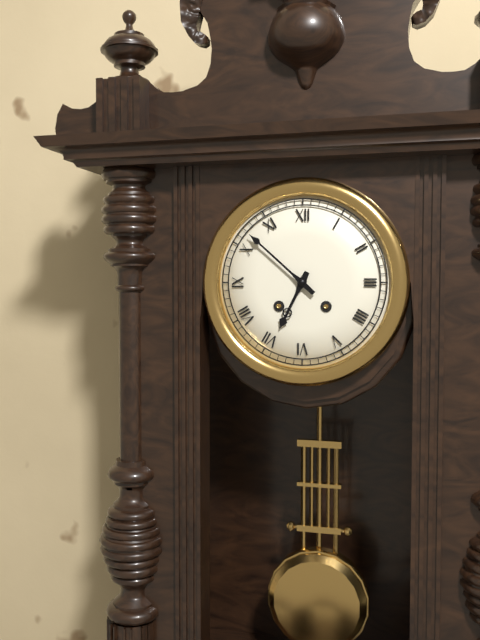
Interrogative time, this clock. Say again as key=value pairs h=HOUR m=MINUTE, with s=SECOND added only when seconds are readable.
h=6 m=52
